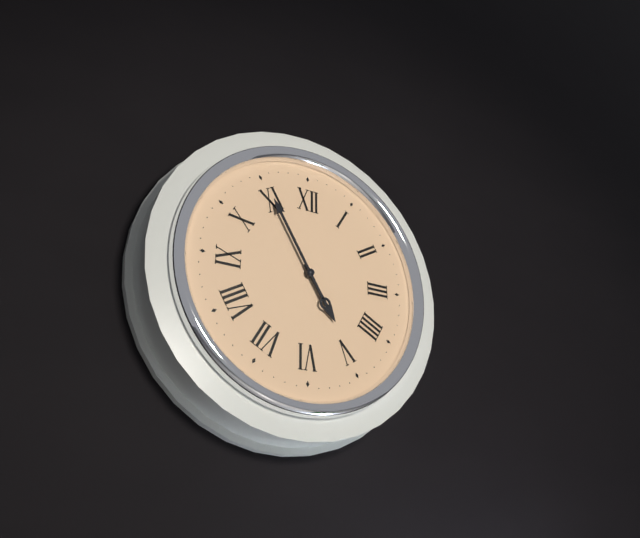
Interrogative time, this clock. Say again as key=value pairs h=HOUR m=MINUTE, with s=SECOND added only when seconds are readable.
h=4 m=55
